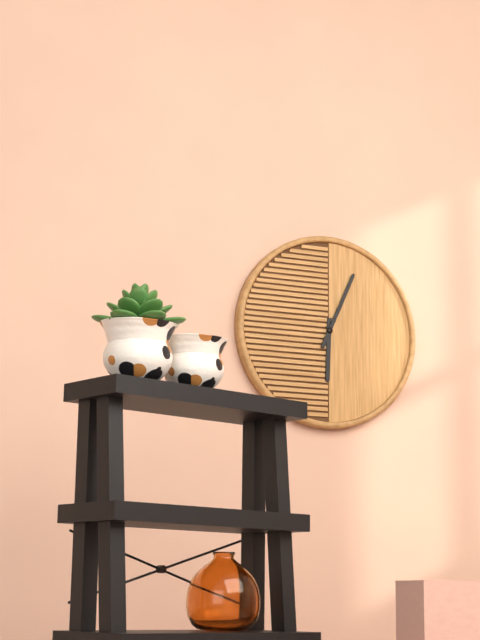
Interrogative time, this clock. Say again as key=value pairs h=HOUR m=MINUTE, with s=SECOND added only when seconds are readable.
h=6 m=4
